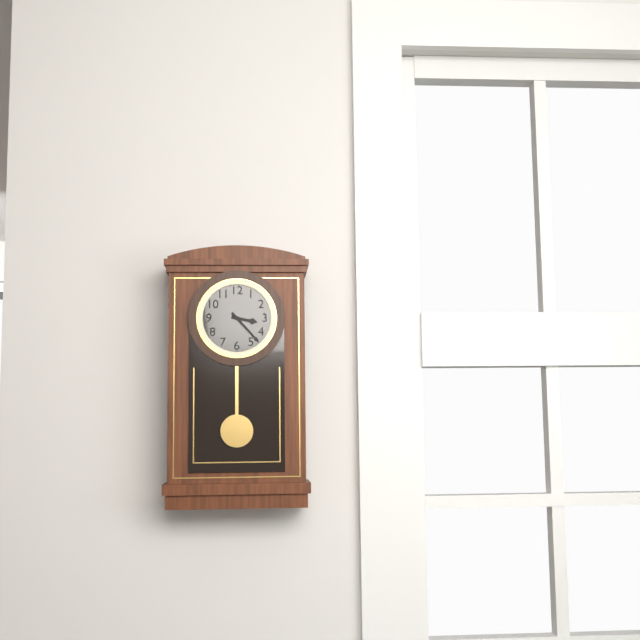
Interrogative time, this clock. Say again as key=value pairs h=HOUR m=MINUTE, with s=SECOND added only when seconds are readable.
h=3 m=23
